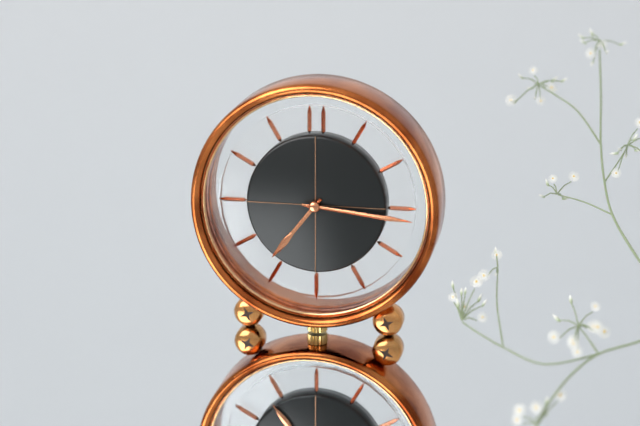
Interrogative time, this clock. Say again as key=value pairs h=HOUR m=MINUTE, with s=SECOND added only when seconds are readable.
h=7 m=16
